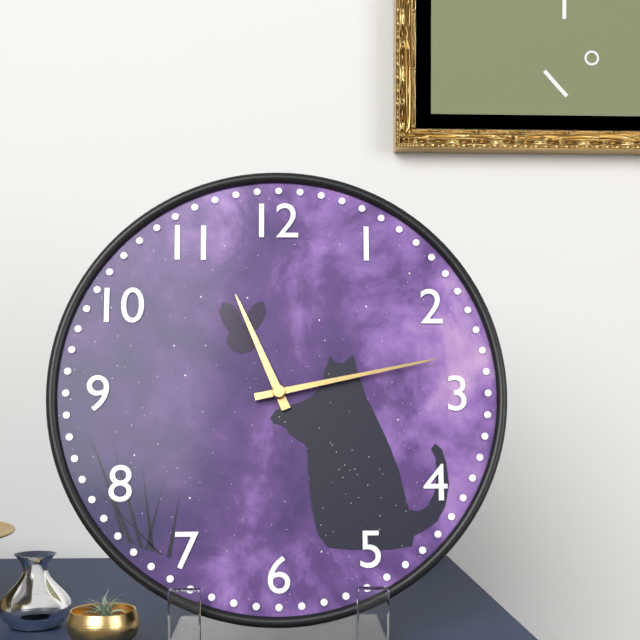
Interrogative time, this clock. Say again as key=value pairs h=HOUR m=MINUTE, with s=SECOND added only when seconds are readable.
h=11 m=13
